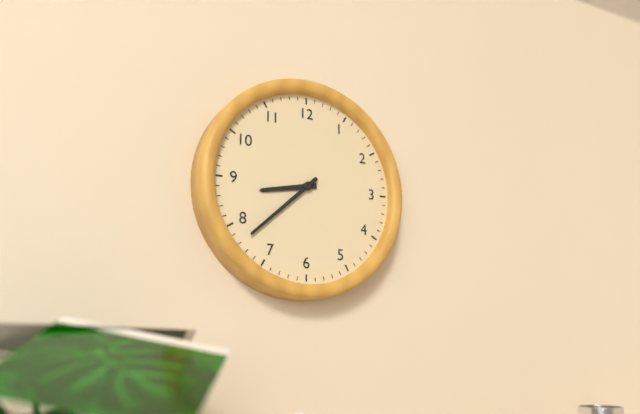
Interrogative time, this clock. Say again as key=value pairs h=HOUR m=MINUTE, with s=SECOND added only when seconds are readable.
h=8 m=38
